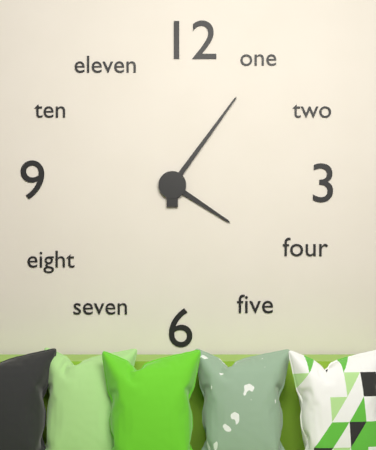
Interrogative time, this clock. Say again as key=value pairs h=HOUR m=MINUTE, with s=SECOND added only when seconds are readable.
h=4 m=6
